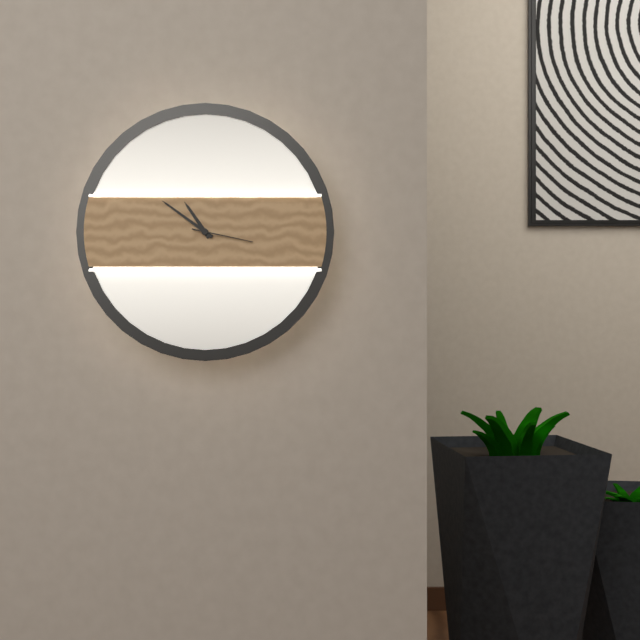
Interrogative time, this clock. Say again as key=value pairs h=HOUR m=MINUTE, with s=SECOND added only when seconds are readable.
h=10 m=51 s=17
